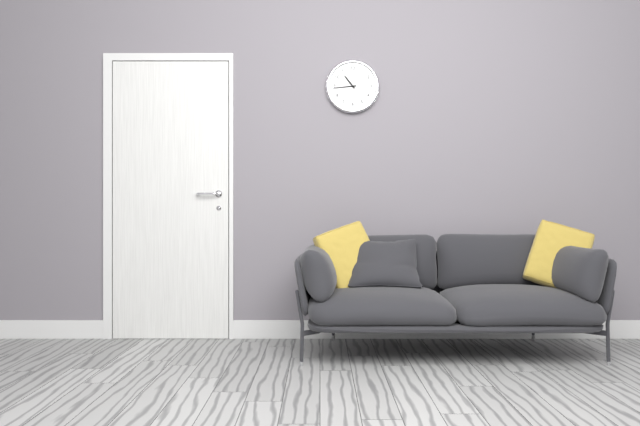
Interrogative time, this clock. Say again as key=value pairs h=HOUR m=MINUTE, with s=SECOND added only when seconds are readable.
h=10 m=44
